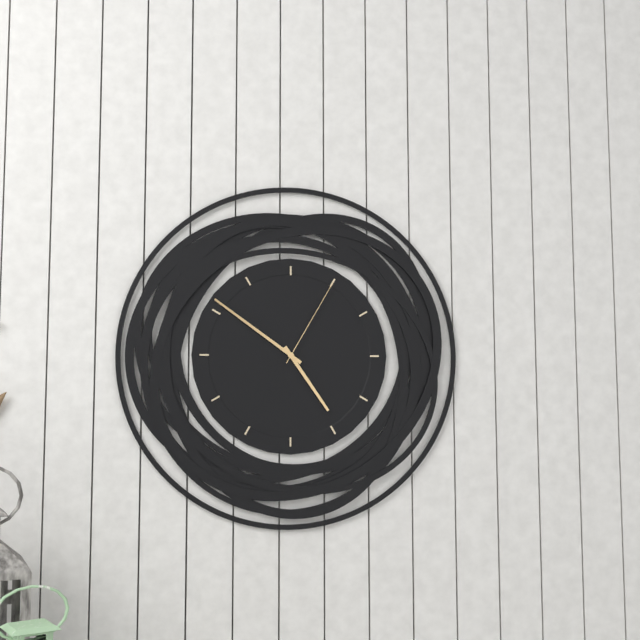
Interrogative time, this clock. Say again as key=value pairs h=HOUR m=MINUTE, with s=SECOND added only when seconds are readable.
h=4 m=51 s=5
